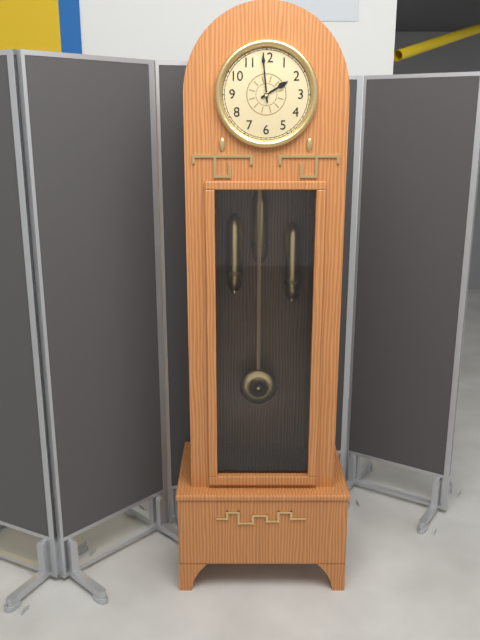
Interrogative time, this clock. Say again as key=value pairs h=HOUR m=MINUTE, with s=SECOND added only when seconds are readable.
h=1 m=59
